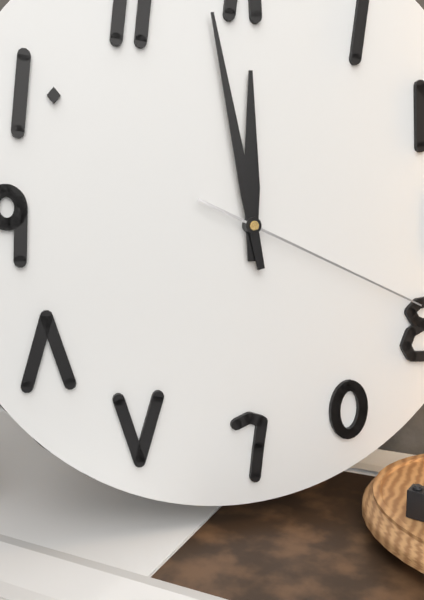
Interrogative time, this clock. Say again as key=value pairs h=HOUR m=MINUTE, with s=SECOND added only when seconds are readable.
h=11 m=58 s=19
